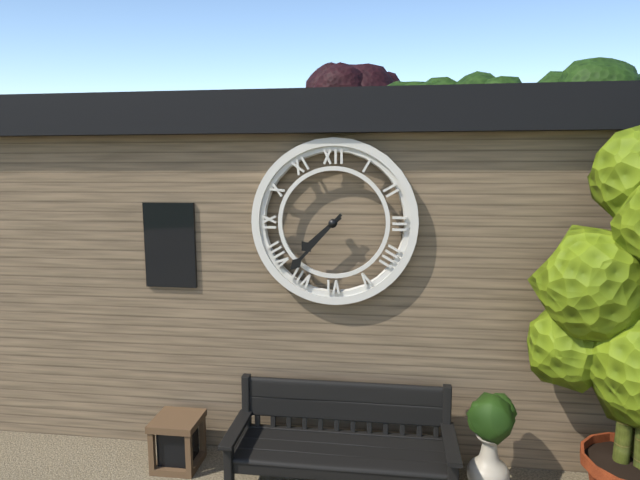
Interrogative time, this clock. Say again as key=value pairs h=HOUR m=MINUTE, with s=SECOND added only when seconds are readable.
h=7 m=37
